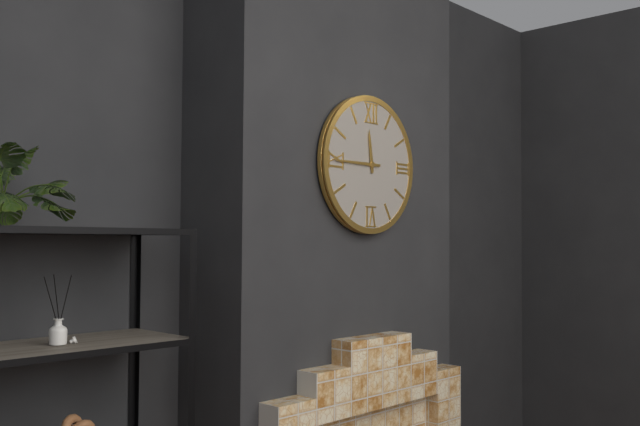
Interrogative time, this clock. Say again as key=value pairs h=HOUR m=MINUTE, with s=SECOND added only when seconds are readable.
h=11 m=45
